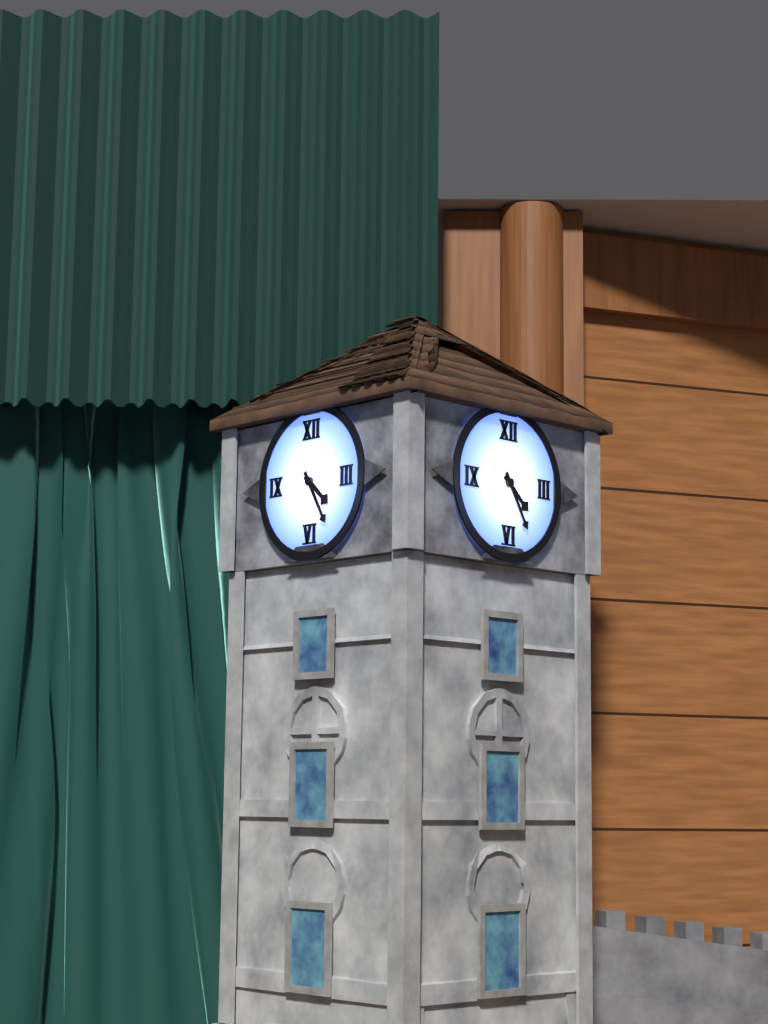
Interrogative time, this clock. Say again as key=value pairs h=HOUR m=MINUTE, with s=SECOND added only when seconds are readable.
h=4 m=25
